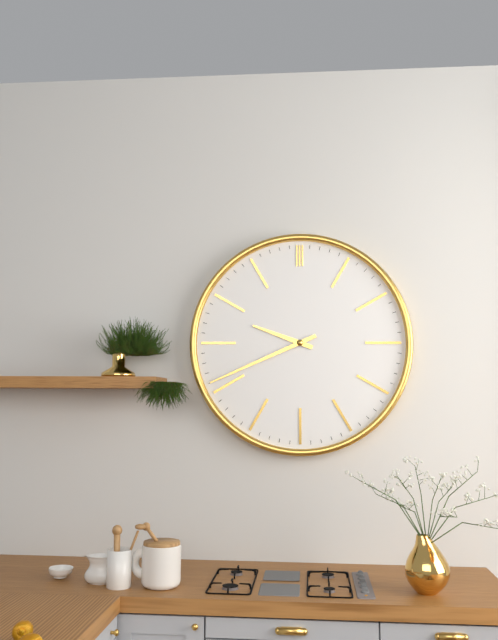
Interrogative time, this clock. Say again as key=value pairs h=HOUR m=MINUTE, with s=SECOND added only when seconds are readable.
h=9 m=41
